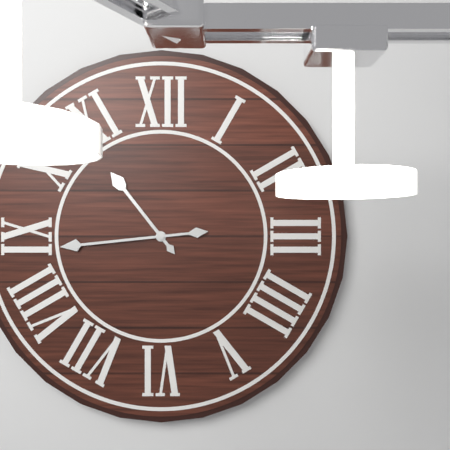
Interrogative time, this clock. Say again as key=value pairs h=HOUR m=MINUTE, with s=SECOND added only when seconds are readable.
h=10 m=44
